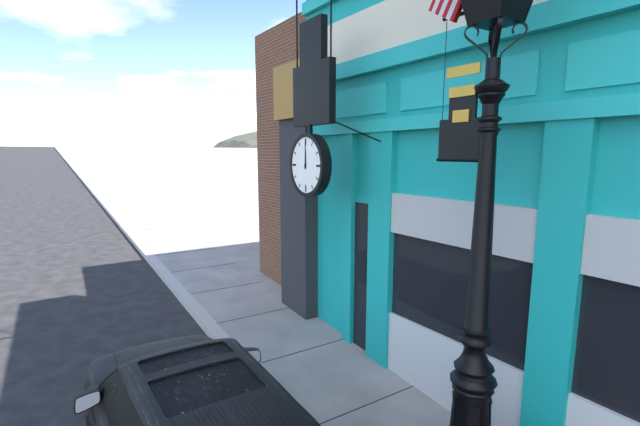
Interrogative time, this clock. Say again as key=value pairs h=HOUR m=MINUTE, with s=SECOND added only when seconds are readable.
h=12 m=0
